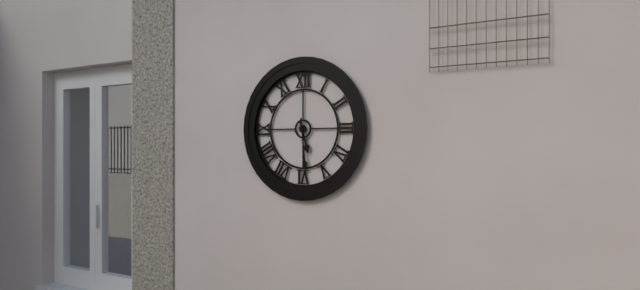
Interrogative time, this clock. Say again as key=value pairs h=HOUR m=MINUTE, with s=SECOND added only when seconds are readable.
h=5 m=29
